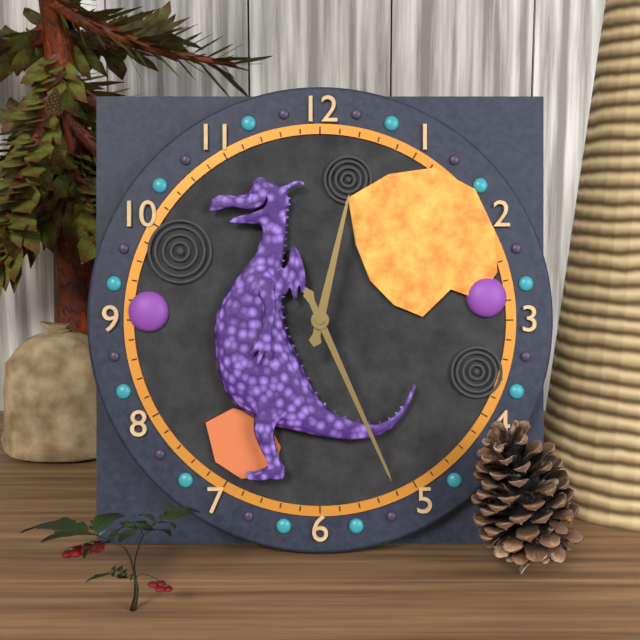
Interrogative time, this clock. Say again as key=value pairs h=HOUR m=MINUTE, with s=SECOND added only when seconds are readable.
h=12 m=26
